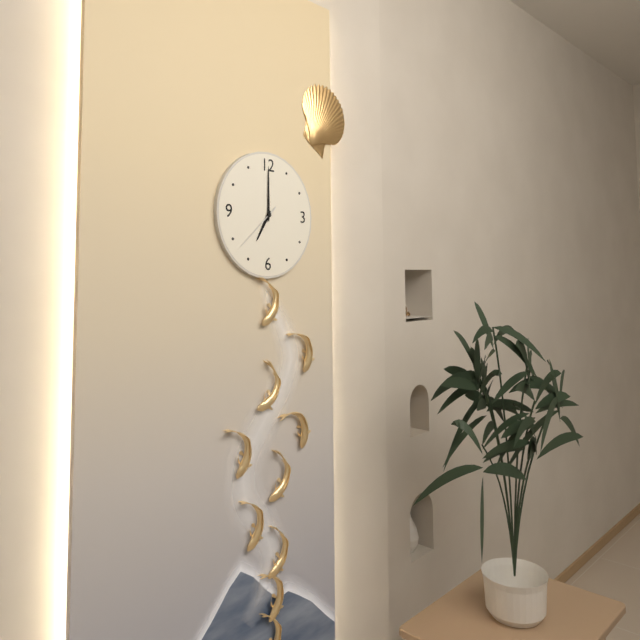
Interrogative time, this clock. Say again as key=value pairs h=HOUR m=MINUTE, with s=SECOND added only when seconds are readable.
h=7 m=0 s=38
